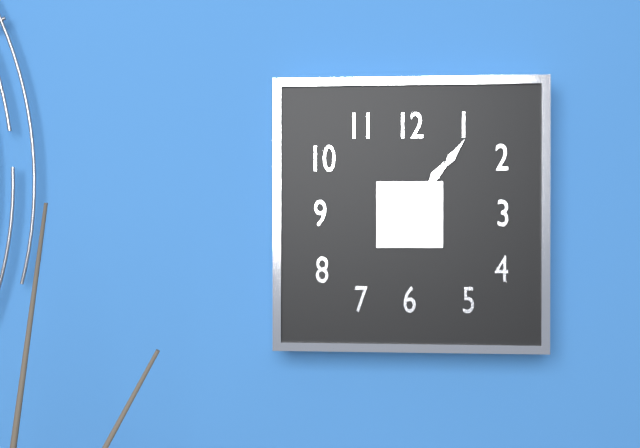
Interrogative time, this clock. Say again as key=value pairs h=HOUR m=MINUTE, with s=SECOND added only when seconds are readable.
h=1 m=6
